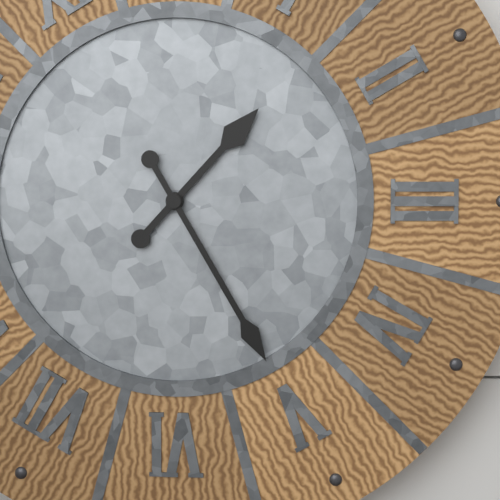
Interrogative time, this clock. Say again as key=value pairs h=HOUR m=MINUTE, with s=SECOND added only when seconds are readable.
h=1 m=25
